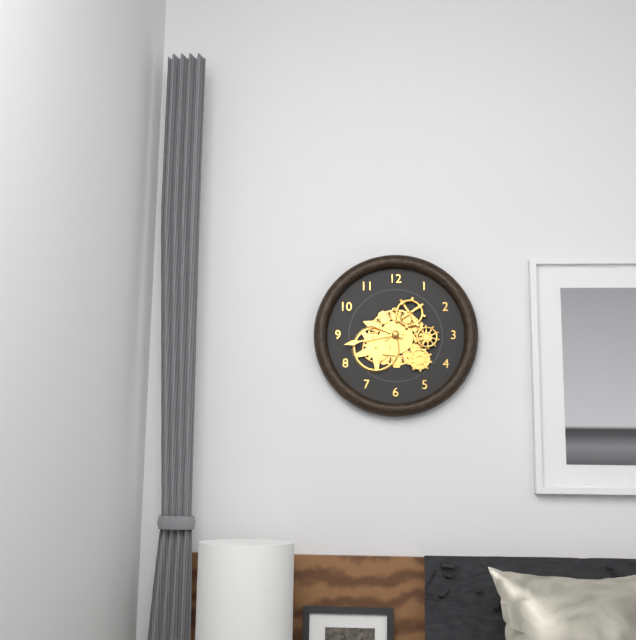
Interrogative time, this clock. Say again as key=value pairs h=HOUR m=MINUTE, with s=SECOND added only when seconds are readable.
h=9 m=43
